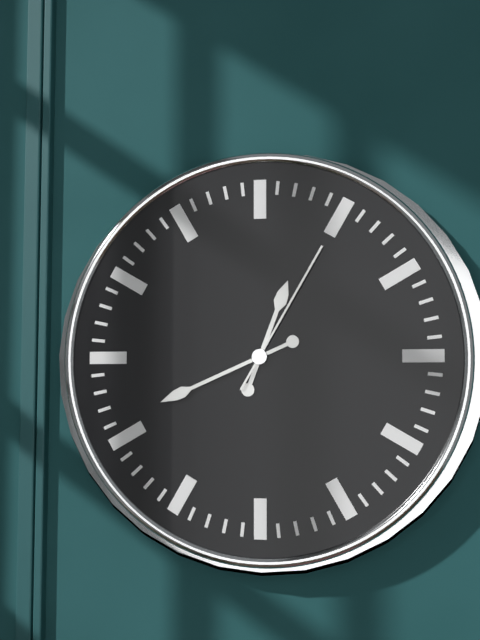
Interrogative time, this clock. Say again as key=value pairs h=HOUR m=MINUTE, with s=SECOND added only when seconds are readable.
h=12 m=41 s=5
